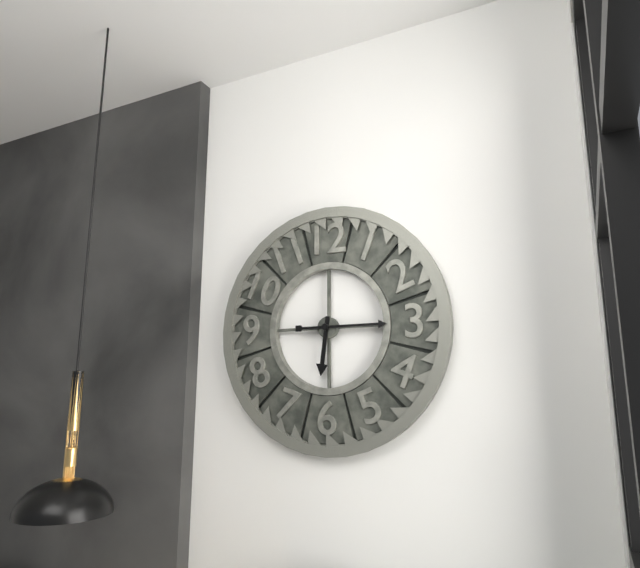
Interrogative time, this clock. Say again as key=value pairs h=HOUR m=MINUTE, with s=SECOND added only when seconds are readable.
h=6 m=15
